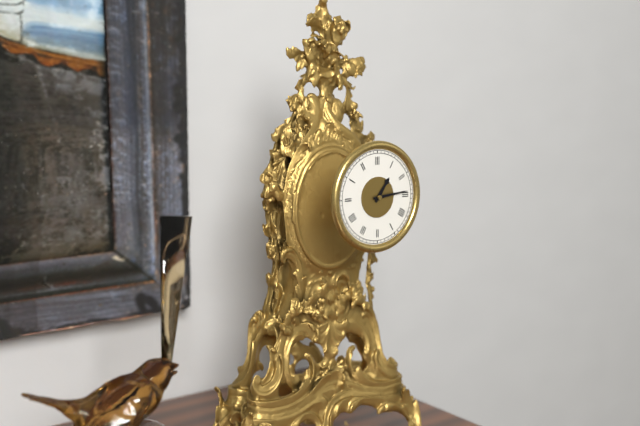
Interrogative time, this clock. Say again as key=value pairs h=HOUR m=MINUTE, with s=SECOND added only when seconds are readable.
h=1 m=14
